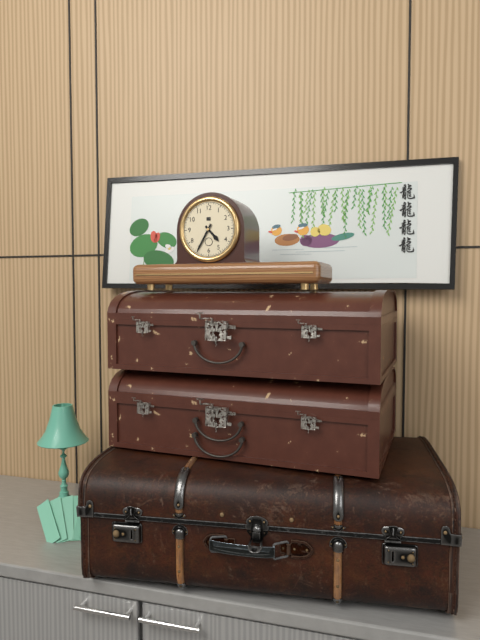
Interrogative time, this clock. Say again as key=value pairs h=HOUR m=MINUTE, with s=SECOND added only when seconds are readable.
h=4 m=35
